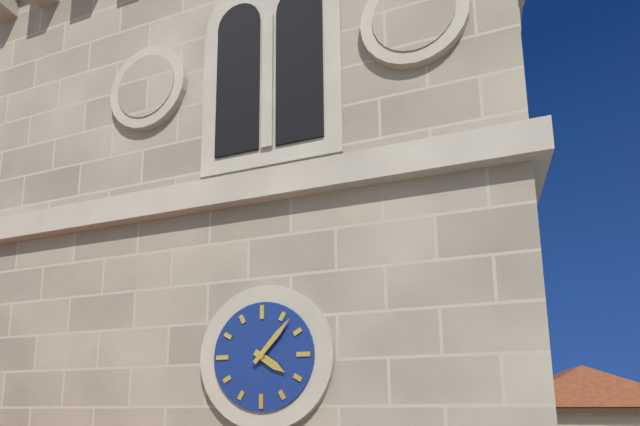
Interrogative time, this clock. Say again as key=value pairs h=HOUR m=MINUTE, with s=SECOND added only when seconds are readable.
h=4 m=7
